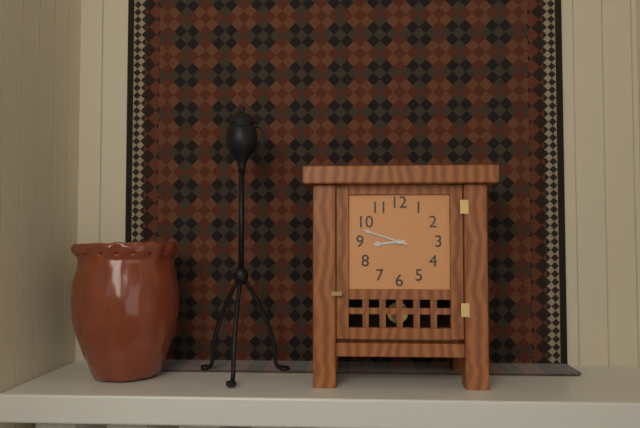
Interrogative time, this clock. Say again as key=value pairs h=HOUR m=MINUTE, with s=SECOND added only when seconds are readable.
h=8 m=48
